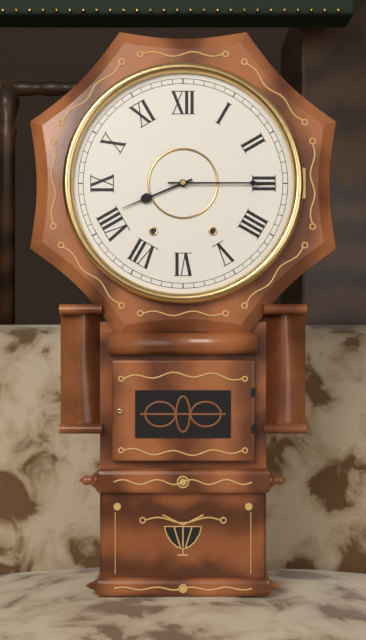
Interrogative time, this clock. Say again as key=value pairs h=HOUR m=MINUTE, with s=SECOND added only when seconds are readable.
h=8 m=15
